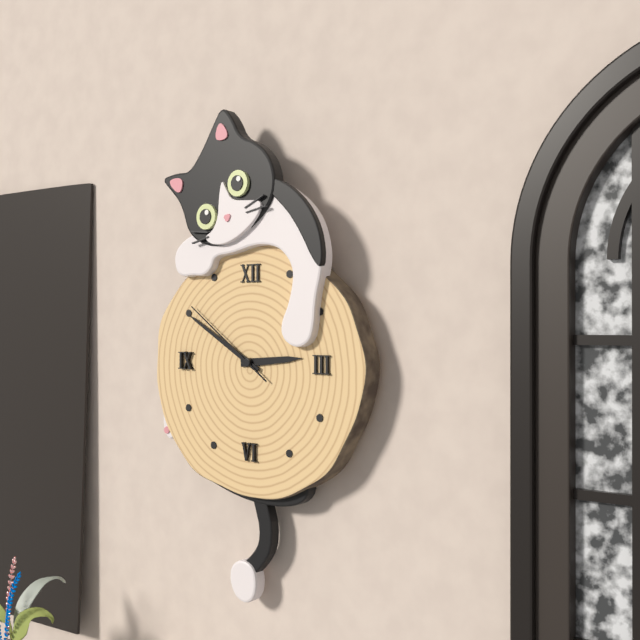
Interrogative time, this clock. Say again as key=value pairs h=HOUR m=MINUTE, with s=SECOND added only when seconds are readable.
h=2 m=50 s=51
